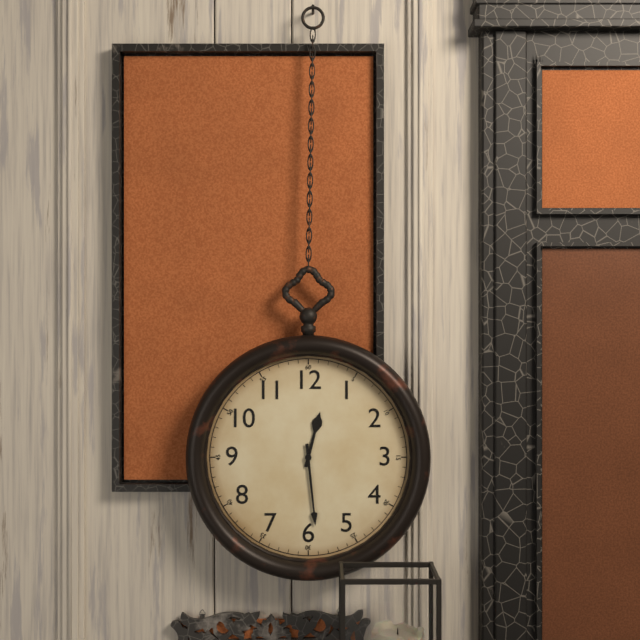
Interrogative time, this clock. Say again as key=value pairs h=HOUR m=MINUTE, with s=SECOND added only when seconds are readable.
h=12 m=29
